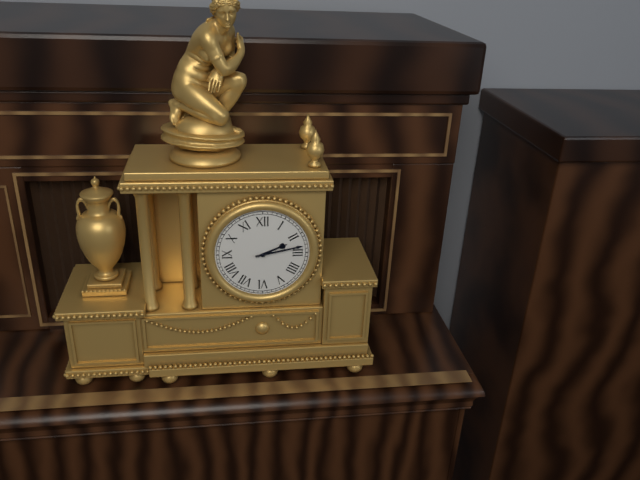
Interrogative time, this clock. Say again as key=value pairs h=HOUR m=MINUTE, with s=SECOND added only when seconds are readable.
h=2 m=13
